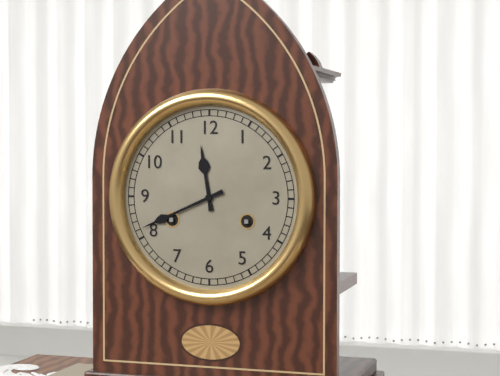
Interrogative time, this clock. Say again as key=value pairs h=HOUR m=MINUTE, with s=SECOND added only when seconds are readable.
h=11 m=41
